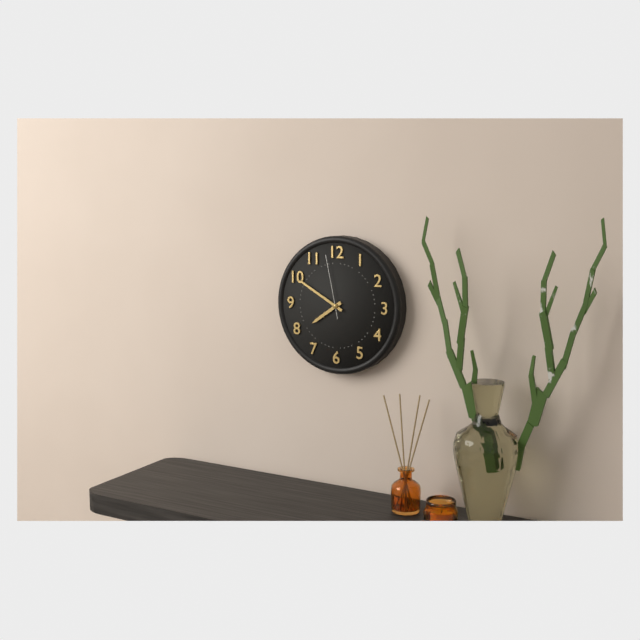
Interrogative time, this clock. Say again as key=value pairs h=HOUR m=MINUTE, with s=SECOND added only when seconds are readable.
h=7 m=50 s=58
